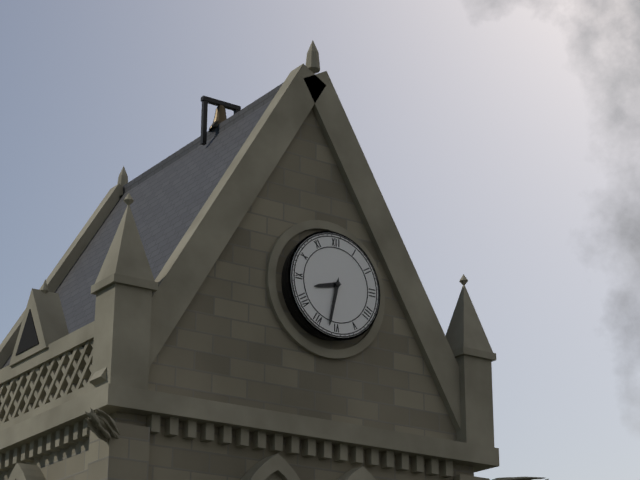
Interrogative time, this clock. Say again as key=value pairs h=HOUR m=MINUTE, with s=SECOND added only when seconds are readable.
h=8 m=32
